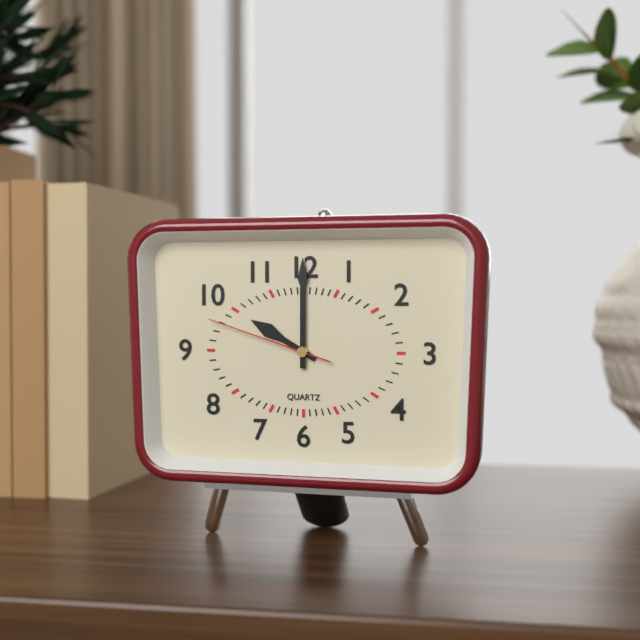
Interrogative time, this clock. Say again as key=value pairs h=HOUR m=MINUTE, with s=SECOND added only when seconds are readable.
h=10 m=0 s=48
